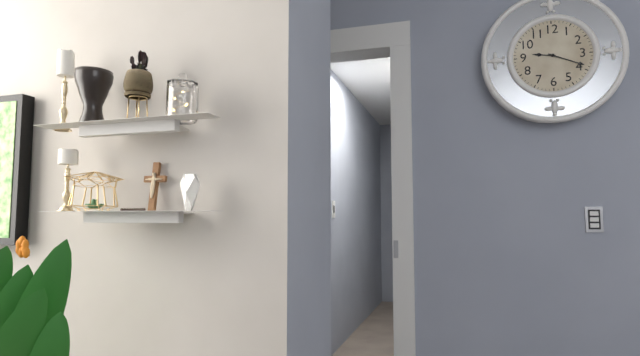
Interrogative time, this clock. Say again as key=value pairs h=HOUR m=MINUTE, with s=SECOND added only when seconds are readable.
h=9 m=19
